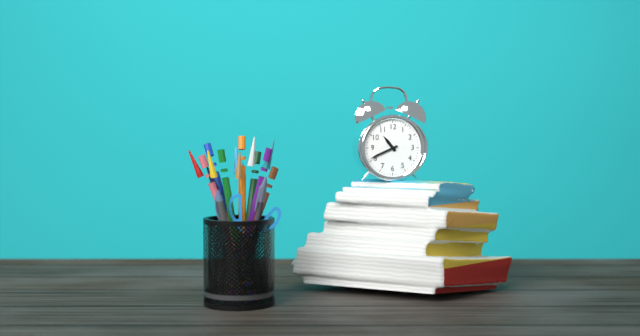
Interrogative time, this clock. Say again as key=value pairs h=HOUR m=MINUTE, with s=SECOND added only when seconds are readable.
h=10 m=41
